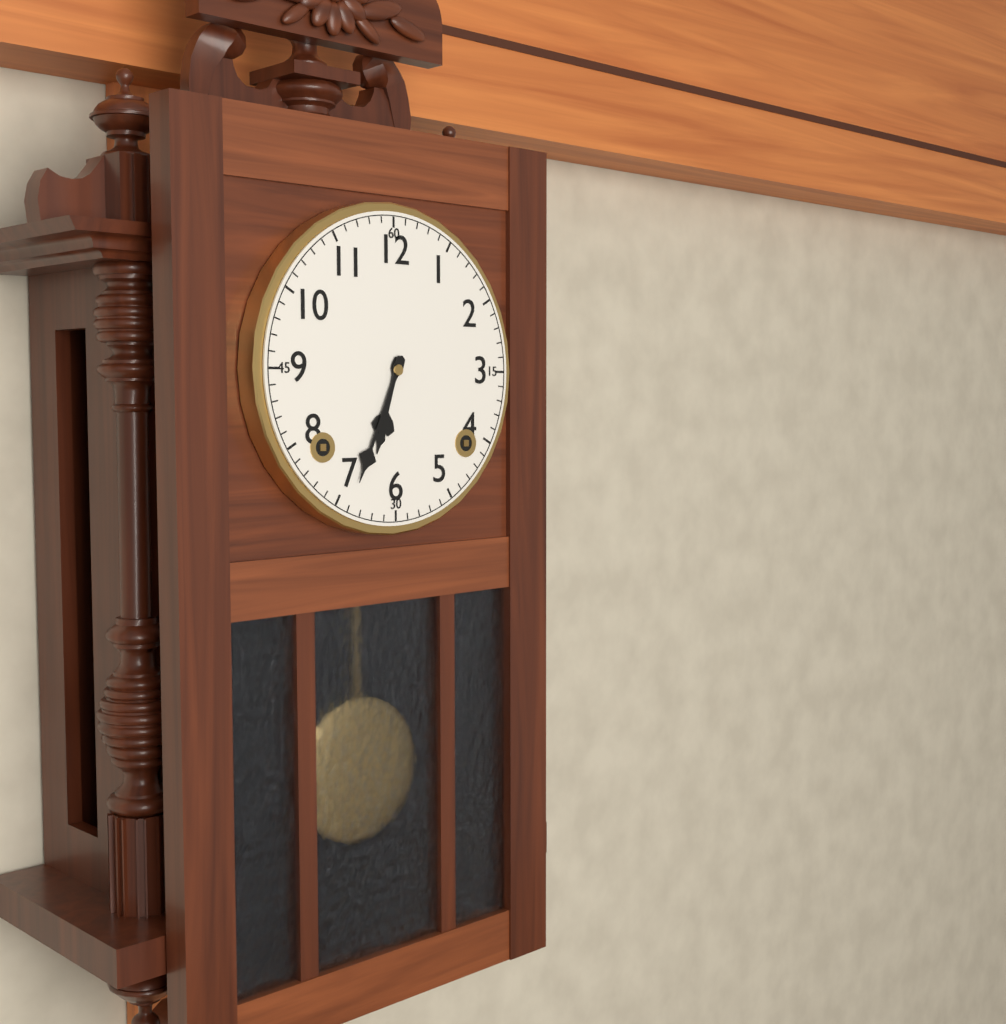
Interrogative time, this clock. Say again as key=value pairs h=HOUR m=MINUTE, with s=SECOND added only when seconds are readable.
h=6 m=34
